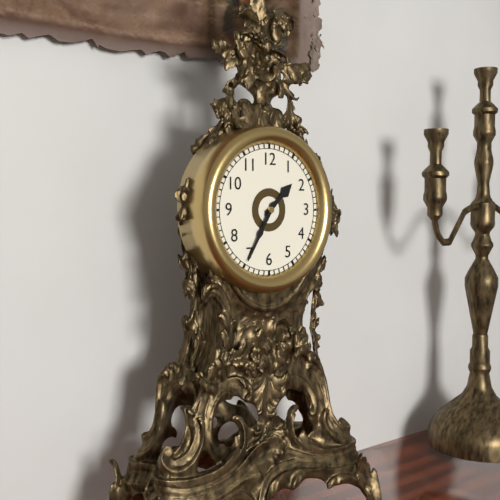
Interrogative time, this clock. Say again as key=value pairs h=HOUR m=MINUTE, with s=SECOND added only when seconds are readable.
h=1 m=35
